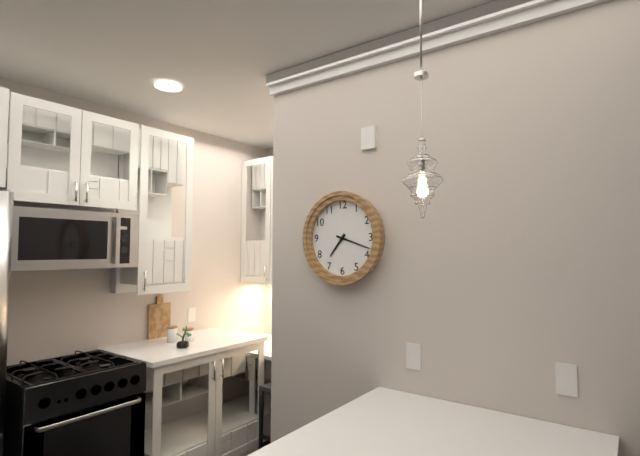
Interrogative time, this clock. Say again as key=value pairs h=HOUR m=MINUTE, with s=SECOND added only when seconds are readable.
h=7 m=18
